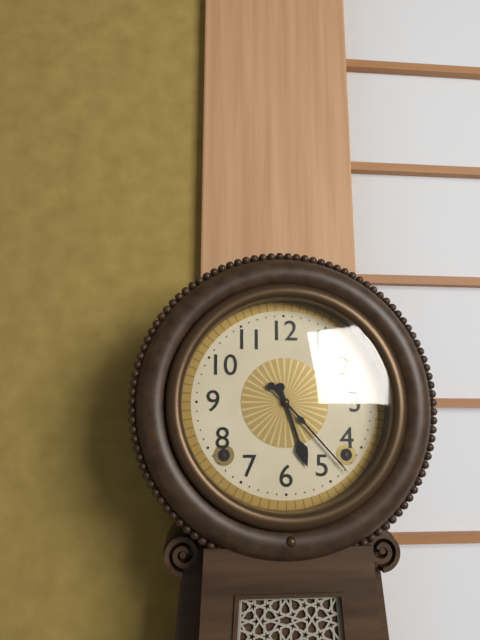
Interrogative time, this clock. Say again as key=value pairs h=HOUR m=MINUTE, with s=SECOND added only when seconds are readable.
h=5 m=23
